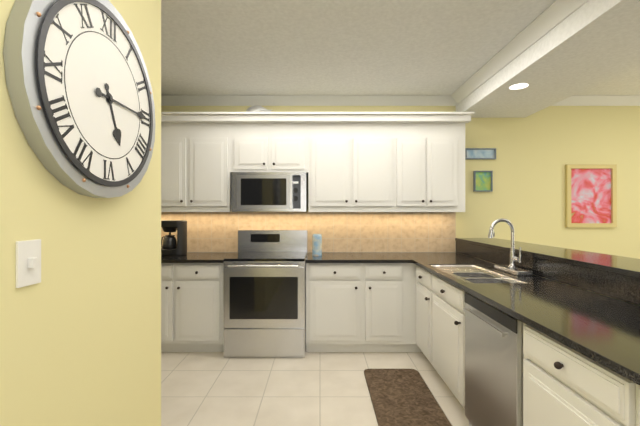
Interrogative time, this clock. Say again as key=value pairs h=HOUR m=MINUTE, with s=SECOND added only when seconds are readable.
h=5 m=15
